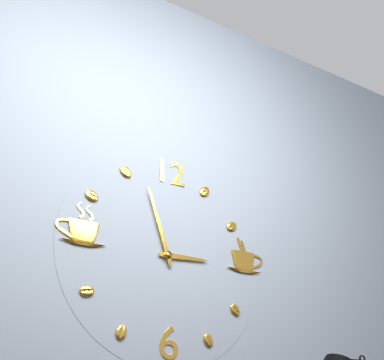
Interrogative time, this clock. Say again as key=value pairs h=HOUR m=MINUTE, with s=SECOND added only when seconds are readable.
h=2 m=57
